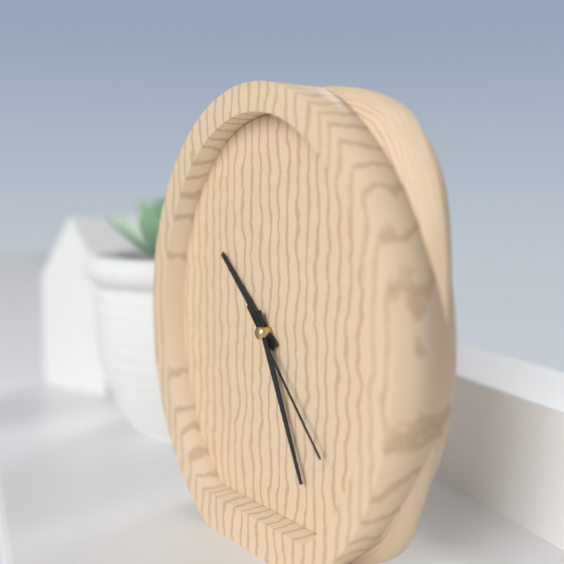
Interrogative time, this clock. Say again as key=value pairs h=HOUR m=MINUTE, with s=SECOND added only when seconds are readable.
h=10 m=26 s=23
